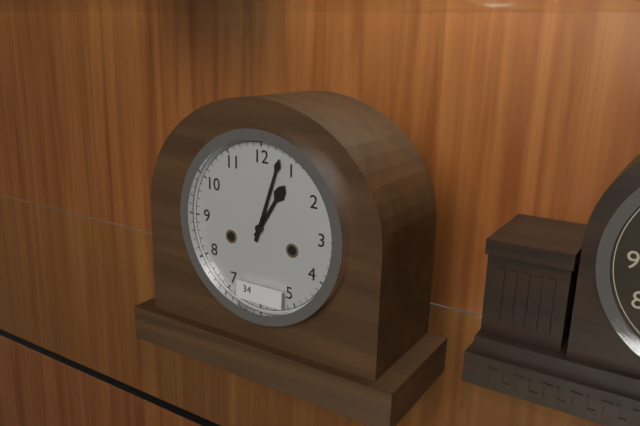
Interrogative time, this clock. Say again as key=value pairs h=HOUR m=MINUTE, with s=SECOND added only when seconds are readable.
h=1 m=3
